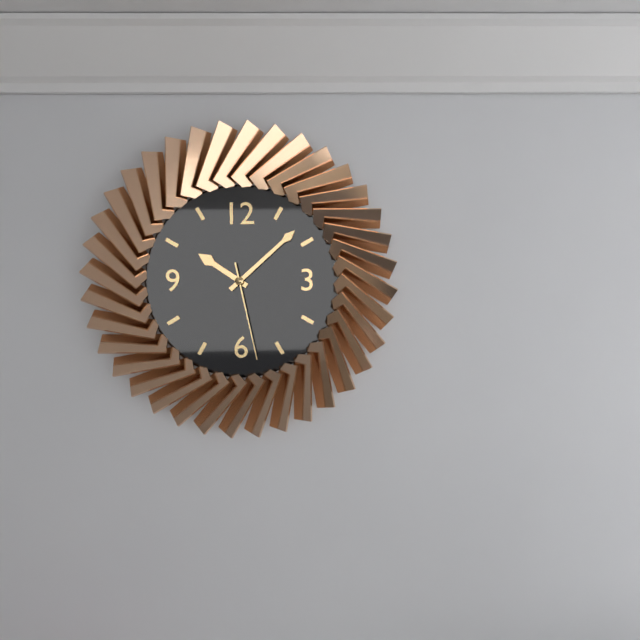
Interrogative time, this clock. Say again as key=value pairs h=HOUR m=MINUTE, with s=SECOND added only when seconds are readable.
h=10 m=8 s=28
